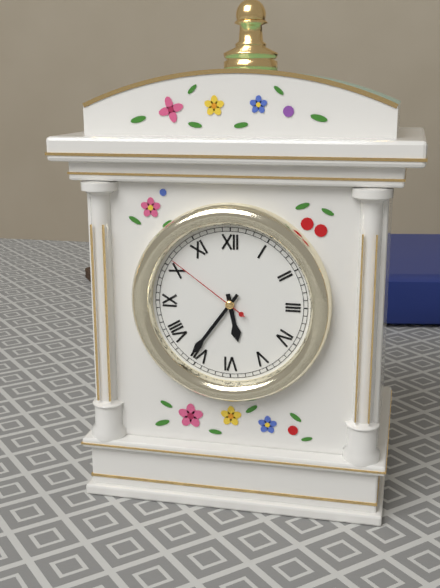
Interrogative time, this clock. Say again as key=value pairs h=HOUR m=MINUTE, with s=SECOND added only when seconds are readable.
h=5 m=36 s=51
